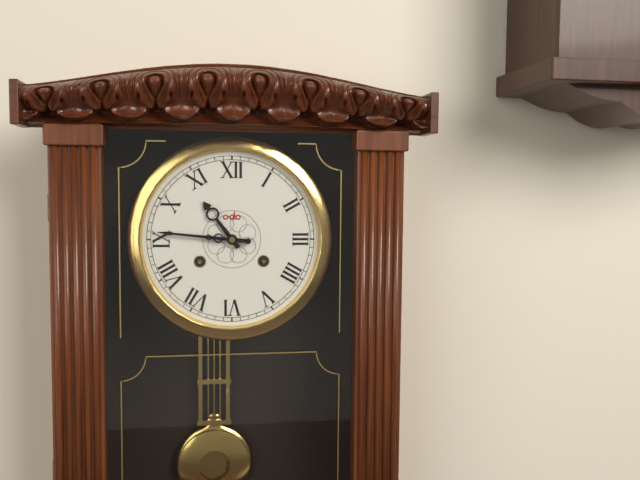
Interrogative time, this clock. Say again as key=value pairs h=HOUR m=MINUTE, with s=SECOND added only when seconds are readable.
h=10 m=46
